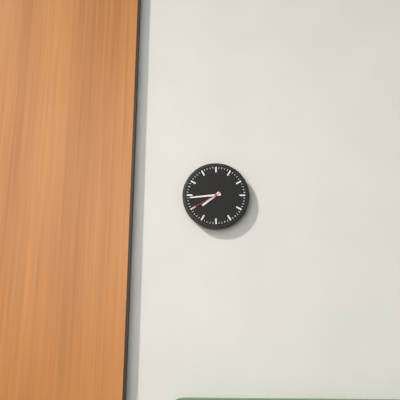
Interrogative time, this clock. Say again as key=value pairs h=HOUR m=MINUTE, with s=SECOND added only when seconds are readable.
h=7 m=44
